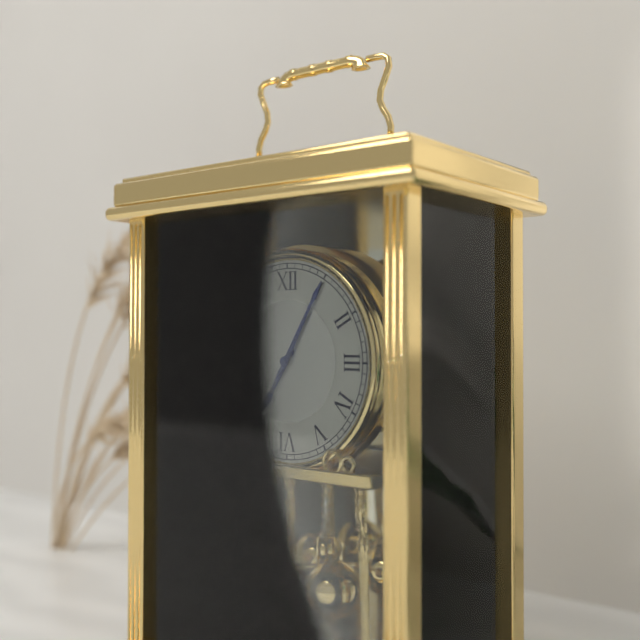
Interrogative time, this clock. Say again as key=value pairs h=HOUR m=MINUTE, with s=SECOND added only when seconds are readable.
h=7 m=5
